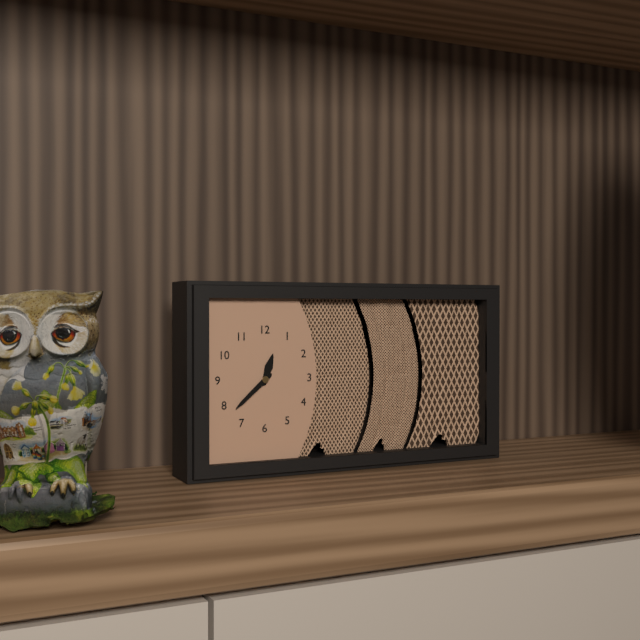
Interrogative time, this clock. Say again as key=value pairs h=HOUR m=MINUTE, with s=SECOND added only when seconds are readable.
h=12 m=38
